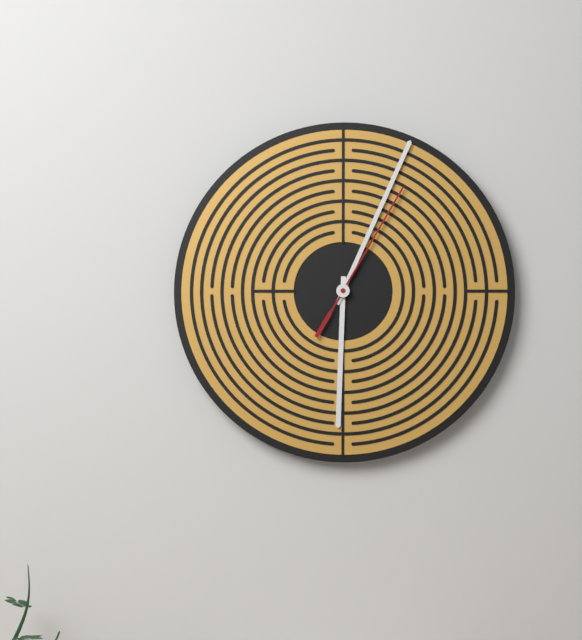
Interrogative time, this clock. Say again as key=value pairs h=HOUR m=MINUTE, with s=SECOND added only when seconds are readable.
h=6 m=4 s=5
